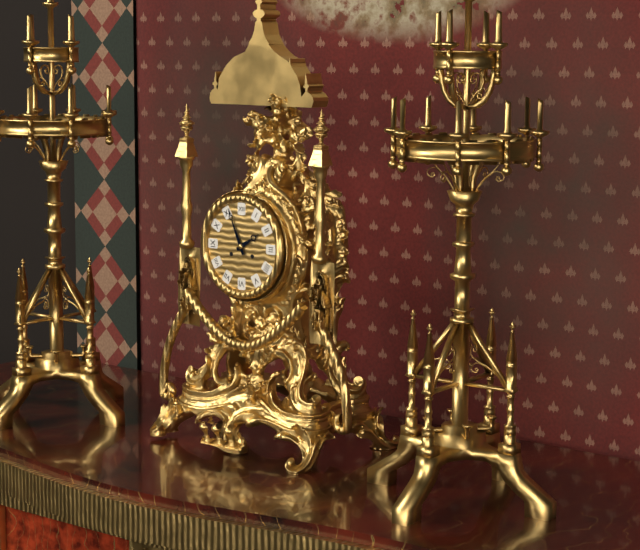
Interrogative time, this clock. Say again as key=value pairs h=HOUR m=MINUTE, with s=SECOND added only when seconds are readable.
h=1 m=56
